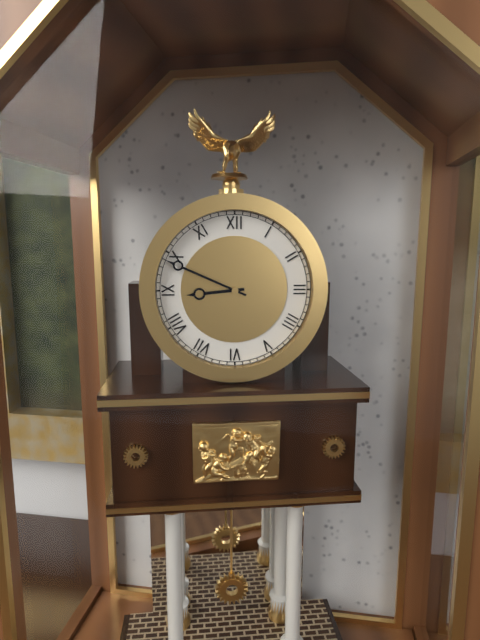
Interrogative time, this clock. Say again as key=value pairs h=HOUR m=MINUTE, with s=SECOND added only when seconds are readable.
h=8 m=49
